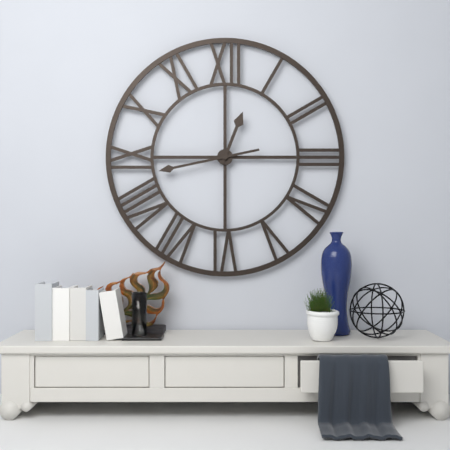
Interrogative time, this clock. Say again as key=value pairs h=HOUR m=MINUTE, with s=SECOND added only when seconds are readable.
h=12 m=43
